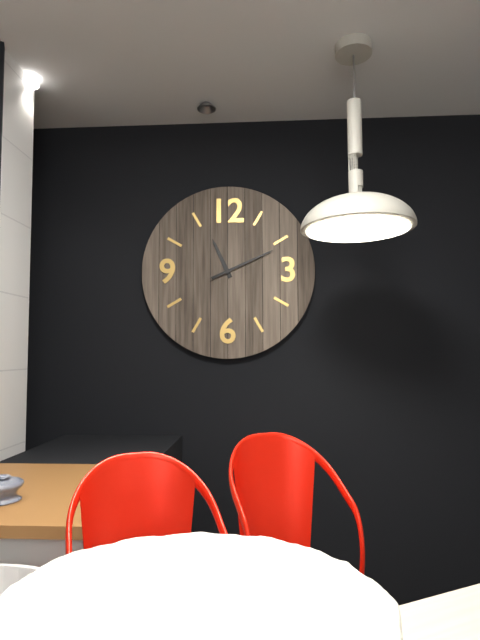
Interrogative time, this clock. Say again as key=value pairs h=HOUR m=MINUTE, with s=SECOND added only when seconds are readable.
h=11 m=11
